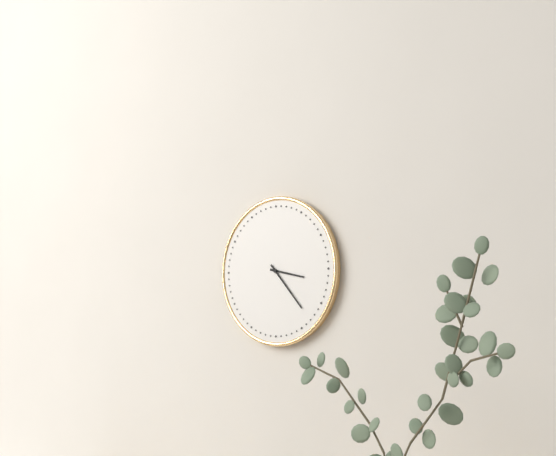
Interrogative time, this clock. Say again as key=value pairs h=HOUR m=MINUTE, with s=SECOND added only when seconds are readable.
h=3 m=23
